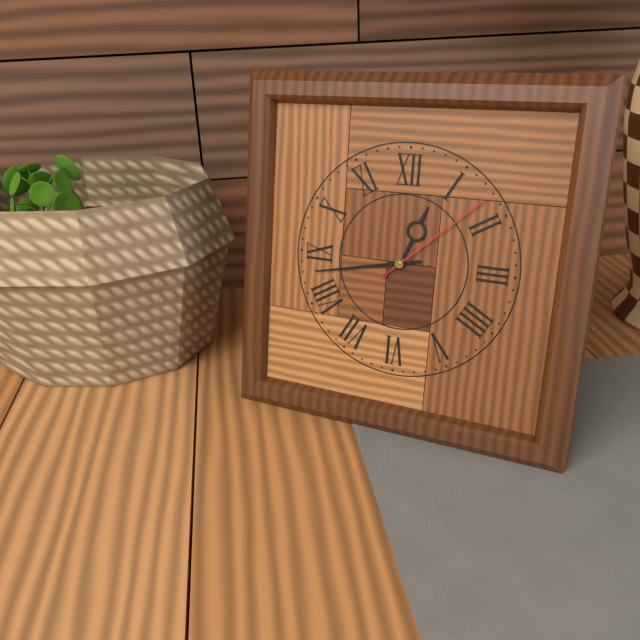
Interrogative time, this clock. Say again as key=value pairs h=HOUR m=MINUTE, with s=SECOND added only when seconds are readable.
h=12 m=43 s=8
